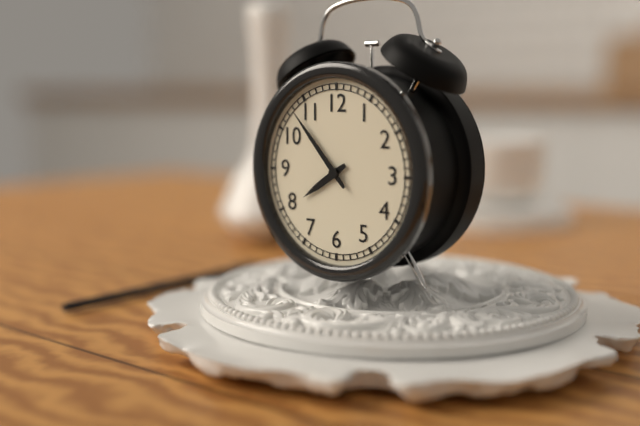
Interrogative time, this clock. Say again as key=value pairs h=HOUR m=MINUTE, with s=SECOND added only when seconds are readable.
h=7 m=53
